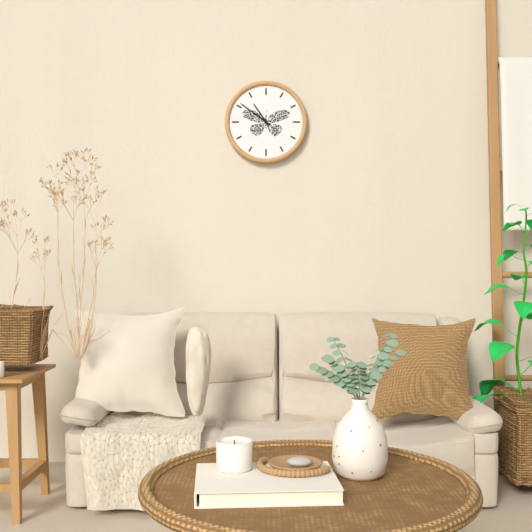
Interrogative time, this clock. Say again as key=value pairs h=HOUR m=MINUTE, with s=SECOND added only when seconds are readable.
h=10 m=51
